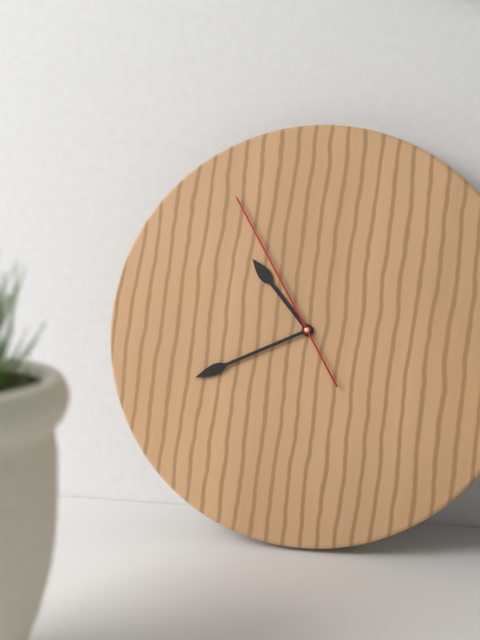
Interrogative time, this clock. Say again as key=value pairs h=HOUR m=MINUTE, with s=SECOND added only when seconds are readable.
h=10 m=41 s=55
